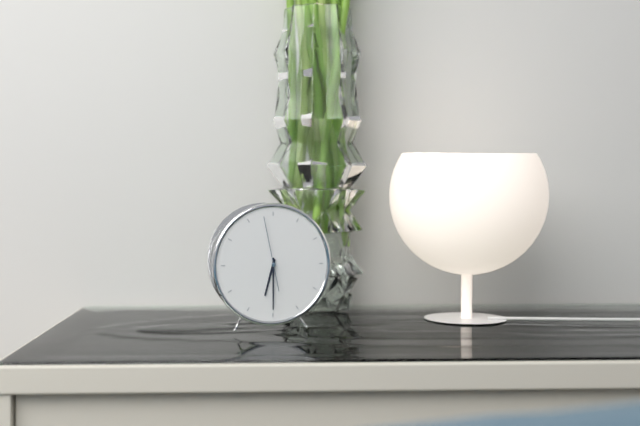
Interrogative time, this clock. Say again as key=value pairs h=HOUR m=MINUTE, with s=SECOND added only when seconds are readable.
h=6 m=30 s=58
